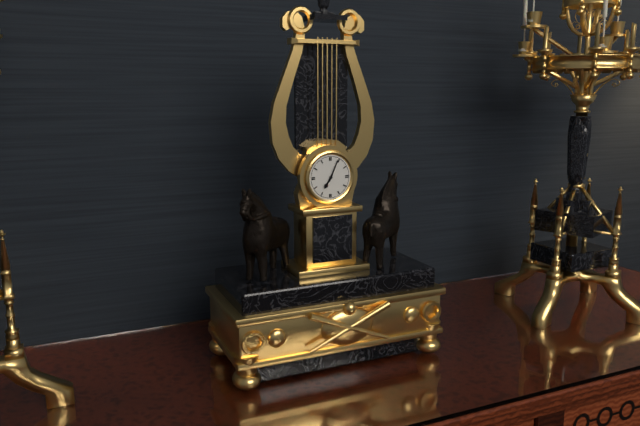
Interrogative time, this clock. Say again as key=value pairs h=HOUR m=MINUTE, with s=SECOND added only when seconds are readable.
h=7 m=4
